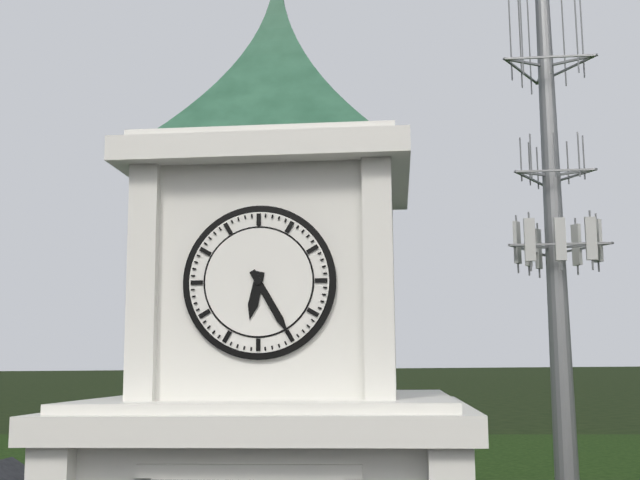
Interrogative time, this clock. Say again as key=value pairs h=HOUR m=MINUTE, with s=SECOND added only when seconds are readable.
h=6 m=25
